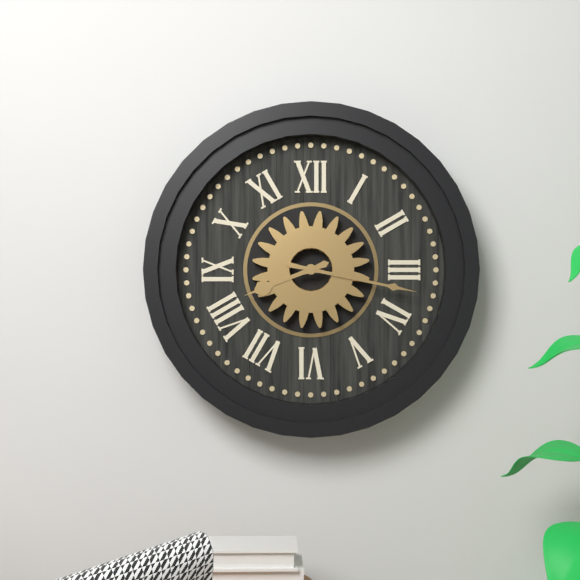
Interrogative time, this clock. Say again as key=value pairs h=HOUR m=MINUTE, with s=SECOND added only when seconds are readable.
h=8 m=17
